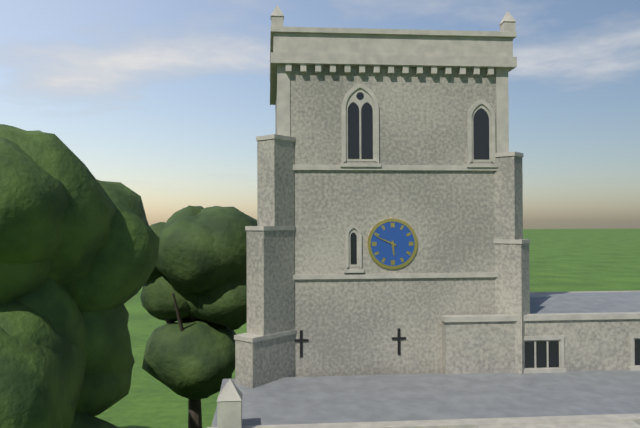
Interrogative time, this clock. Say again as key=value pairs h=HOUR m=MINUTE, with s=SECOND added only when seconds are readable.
h=5 m=49
